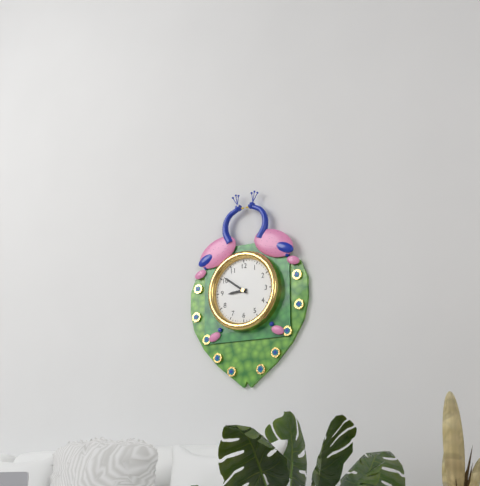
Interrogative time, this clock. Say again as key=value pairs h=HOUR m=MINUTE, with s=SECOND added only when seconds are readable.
h=8 m=51
